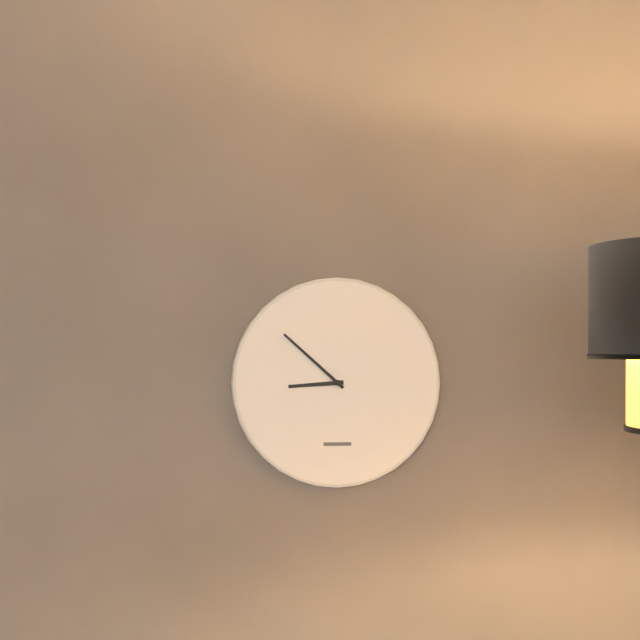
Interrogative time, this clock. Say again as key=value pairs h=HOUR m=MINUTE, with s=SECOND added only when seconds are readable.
h=8 m=52
